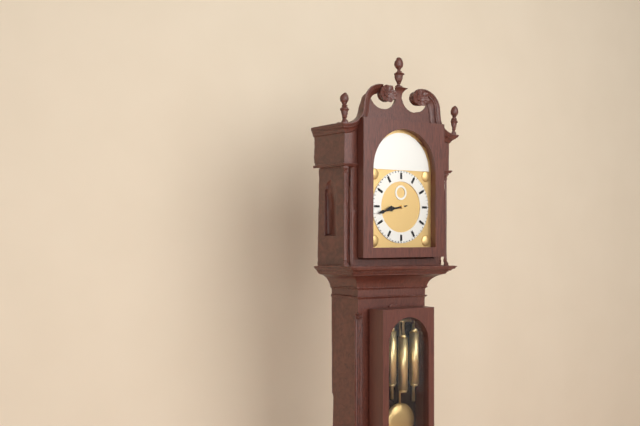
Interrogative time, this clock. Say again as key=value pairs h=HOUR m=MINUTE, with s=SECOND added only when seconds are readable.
h=8 m=43
